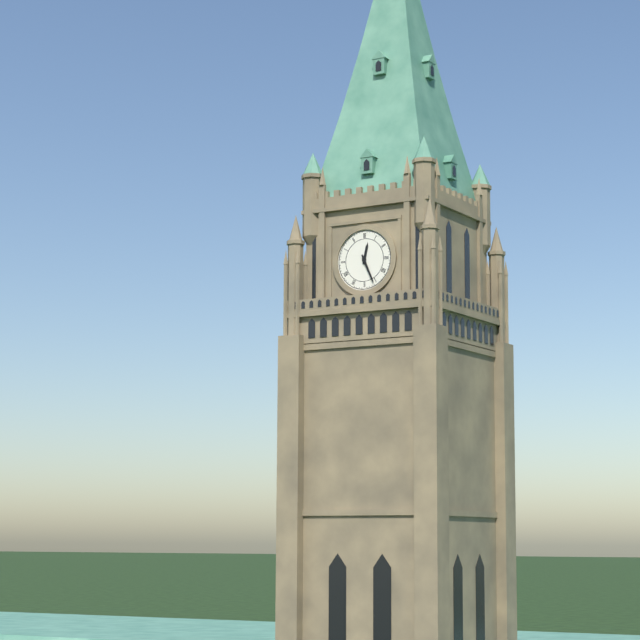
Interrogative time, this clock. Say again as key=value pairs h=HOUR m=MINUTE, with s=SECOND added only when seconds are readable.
h=12 m=26
